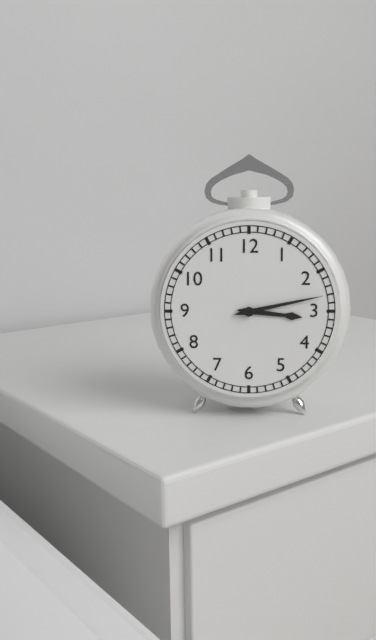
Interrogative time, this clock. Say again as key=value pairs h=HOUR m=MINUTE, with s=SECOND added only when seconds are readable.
h=3 m=13
